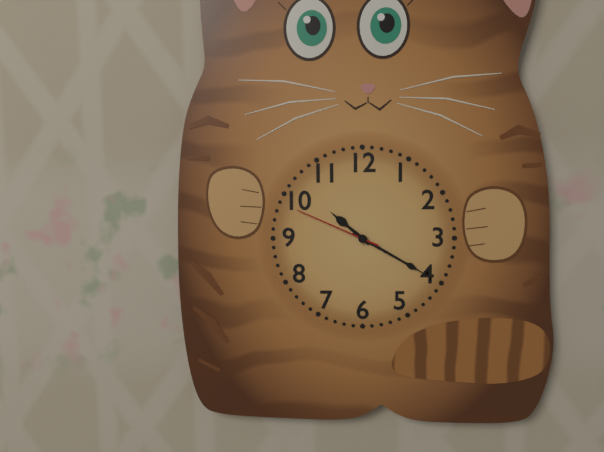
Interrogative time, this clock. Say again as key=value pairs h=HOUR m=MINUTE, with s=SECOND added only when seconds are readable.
h=10 m=20 s=49
